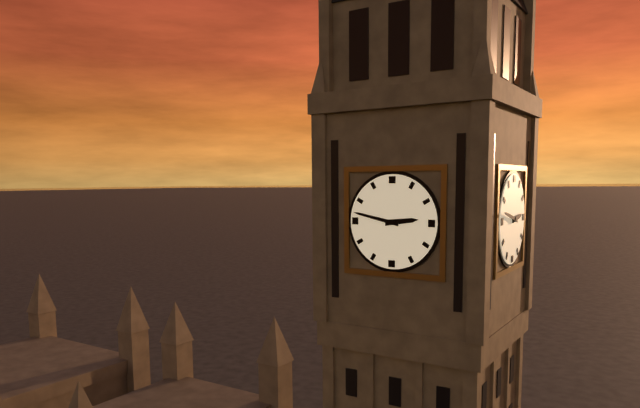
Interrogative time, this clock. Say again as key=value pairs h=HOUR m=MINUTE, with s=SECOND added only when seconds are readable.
h=2 m=47
